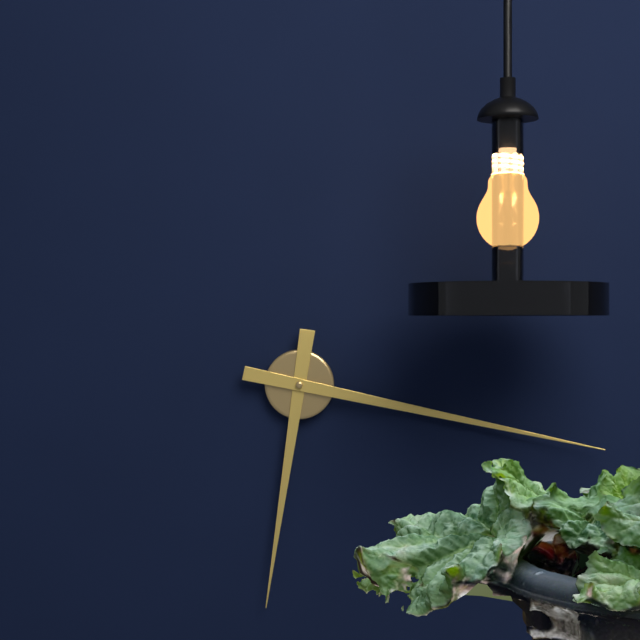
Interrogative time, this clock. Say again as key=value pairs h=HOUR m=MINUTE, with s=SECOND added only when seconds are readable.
h=6 m=17
